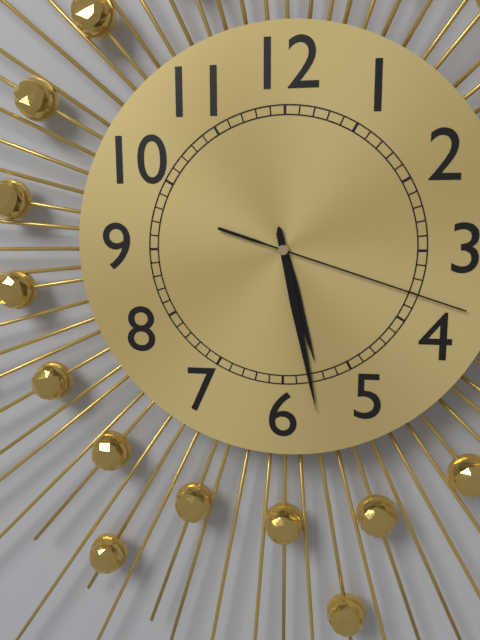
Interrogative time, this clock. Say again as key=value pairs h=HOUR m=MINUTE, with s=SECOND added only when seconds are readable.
h=5 m=28 s=18
